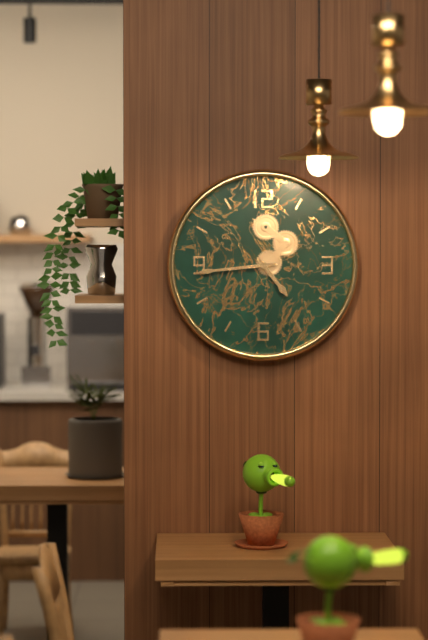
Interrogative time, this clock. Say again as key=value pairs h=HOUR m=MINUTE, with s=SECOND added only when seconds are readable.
h=4 m=44
